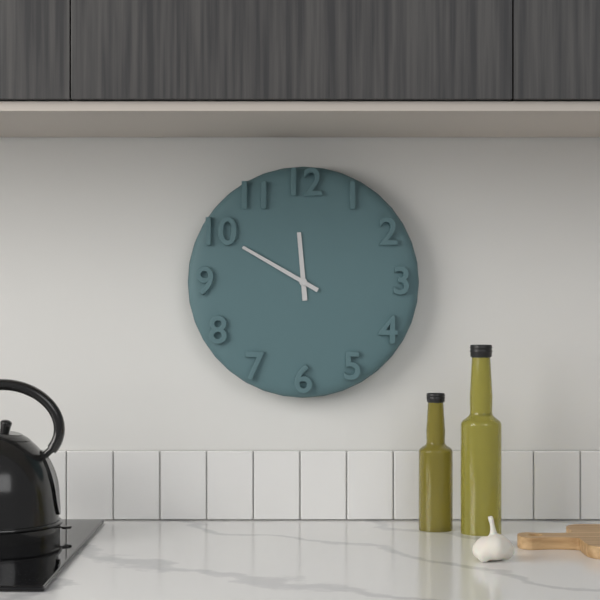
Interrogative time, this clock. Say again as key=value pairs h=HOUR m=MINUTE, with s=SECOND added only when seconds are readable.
h=11 m=50
